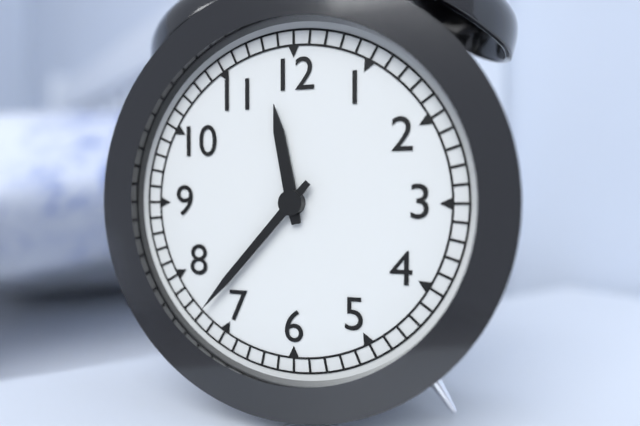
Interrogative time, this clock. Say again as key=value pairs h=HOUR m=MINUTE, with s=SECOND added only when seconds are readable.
h=11 m=37
